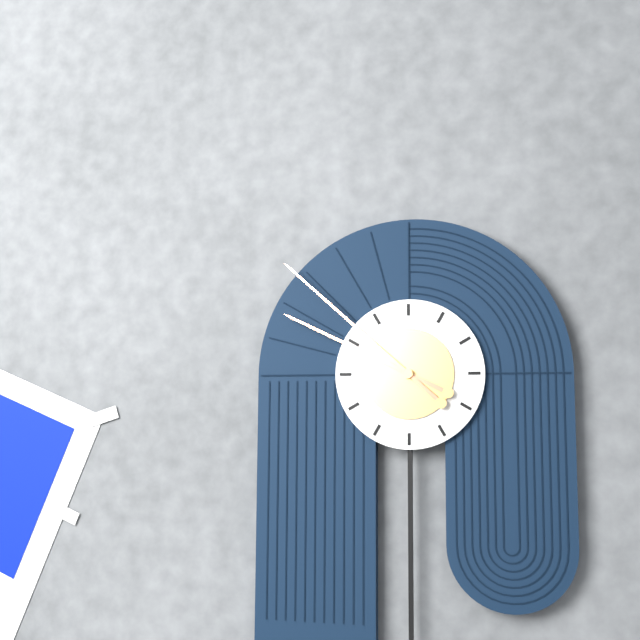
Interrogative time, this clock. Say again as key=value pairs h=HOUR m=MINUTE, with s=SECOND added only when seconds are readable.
h=9 m=52
